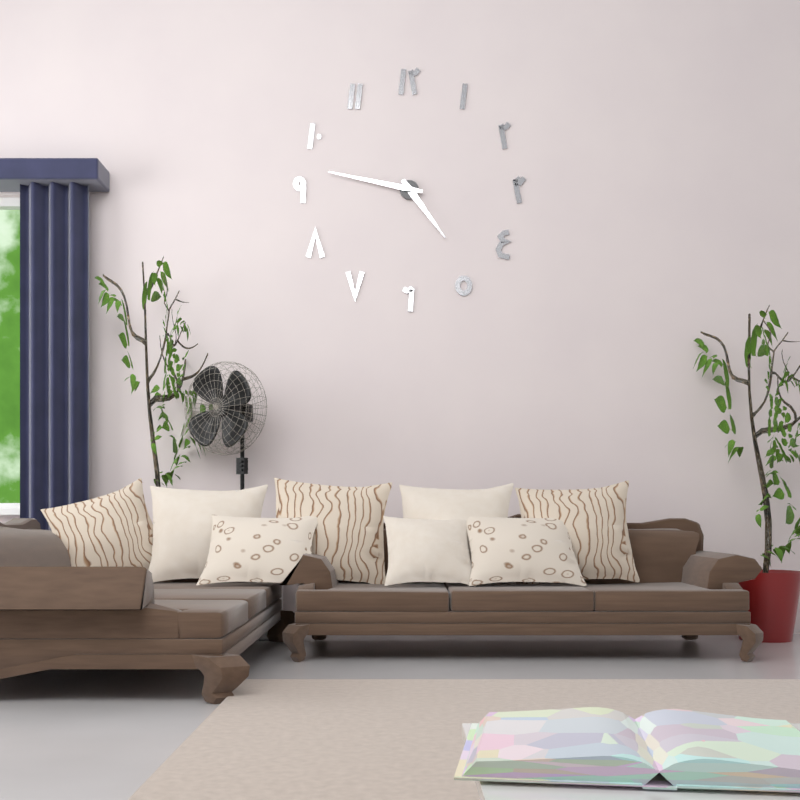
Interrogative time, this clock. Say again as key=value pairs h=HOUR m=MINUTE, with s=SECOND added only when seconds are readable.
h=4 m=47
